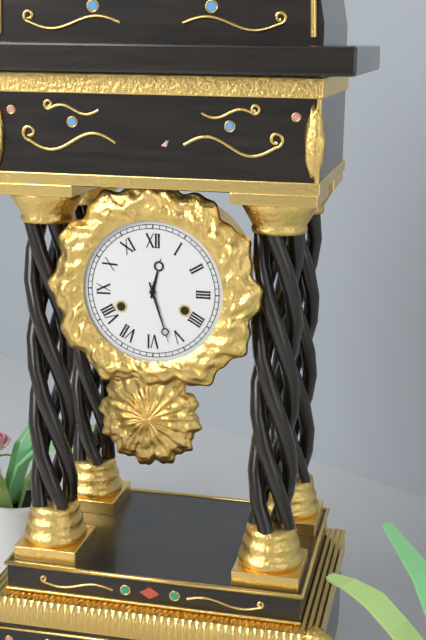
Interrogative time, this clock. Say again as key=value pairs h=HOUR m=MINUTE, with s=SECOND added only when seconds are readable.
h=12 m=27
